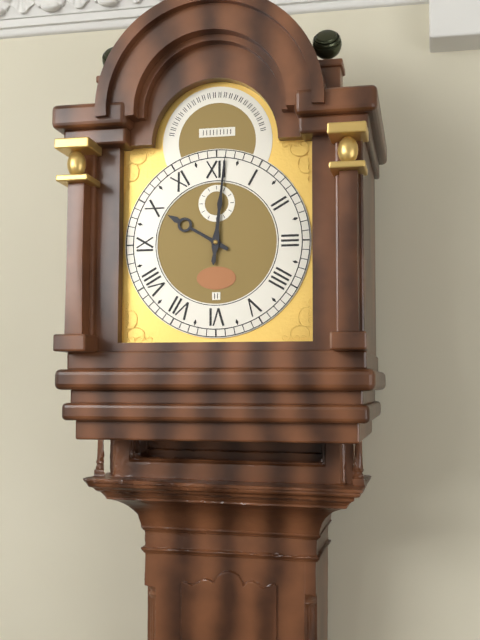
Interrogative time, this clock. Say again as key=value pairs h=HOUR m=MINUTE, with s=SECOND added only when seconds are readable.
h=10 m=1
